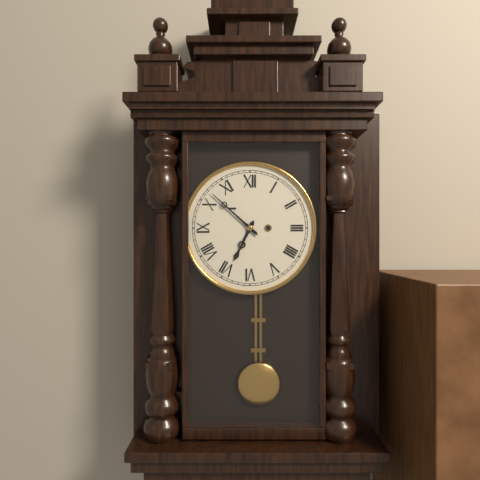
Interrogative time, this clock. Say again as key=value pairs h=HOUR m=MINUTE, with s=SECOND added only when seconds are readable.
h=6 m=52
